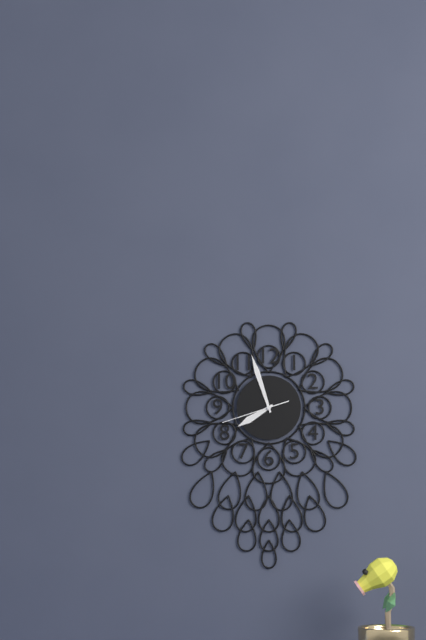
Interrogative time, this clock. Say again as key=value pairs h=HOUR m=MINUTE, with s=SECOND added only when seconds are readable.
h=7 m=57 s=42
